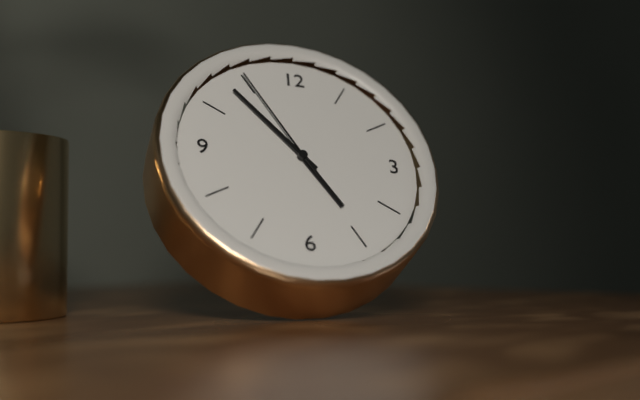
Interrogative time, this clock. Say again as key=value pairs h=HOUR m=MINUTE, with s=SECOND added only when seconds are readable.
h=4 m=53 s=55
